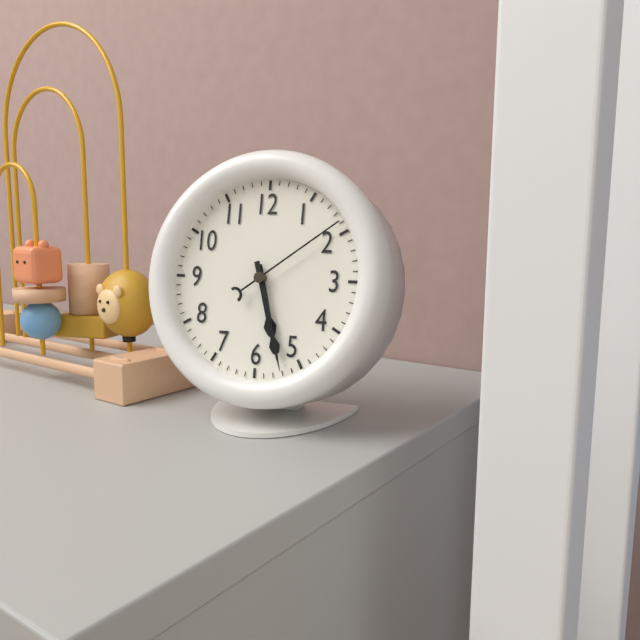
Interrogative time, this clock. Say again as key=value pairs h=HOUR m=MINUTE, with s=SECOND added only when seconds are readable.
h=5 m=27 s=9
